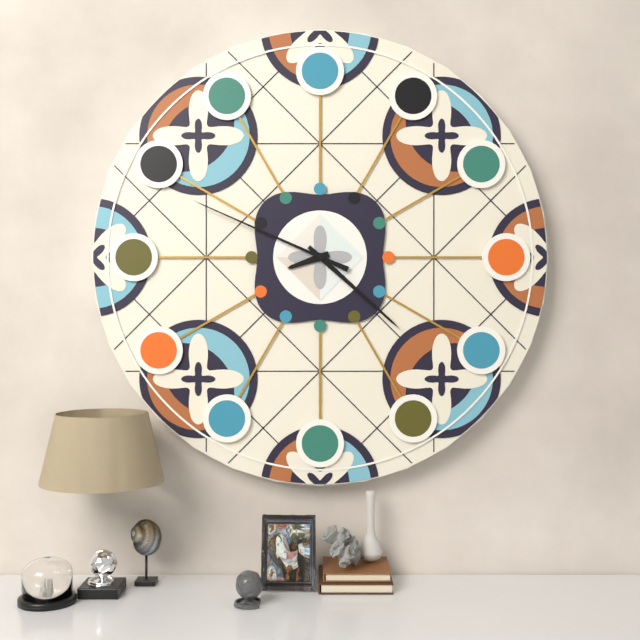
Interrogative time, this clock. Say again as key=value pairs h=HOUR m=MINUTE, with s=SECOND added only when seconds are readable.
h=8 m=22 s=49
